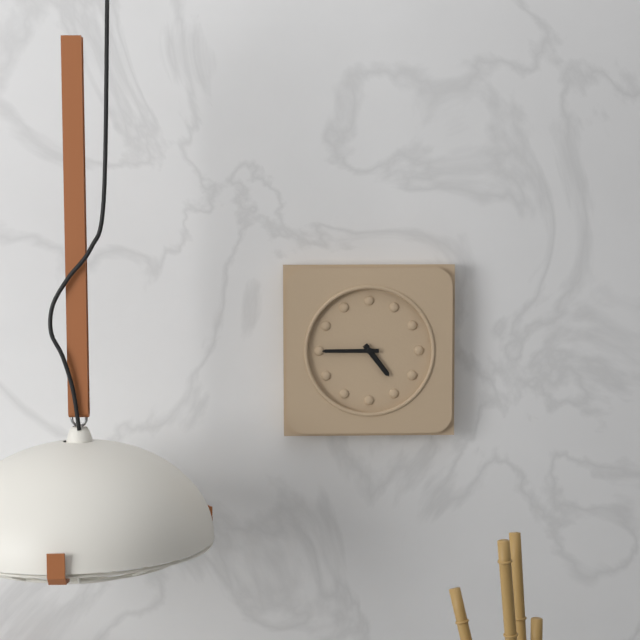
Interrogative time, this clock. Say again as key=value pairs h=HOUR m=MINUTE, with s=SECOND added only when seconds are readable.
h=4 m=45
